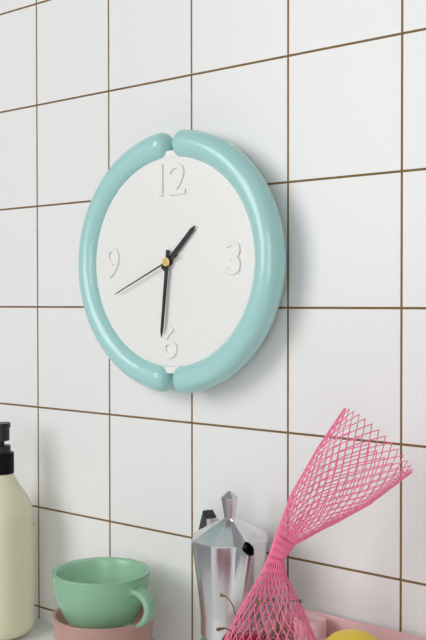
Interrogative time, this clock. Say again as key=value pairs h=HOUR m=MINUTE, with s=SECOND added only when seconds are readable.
h=1 m=31 s=41
